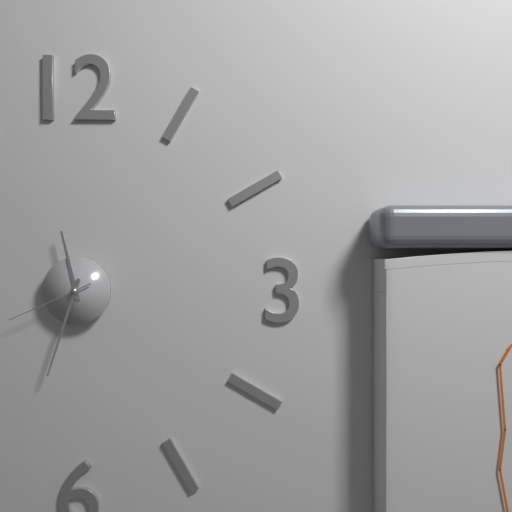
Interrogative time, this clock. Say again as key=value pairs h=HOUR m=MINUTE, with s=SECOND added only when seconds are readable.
h=11 m=33 s=41
